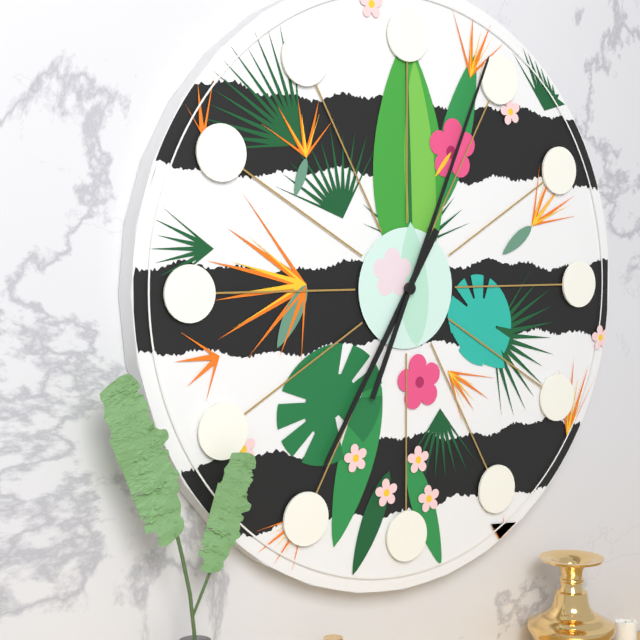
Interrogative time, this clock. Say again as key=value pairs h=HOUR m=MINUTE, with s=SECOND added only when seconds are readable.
h=7 m=4
